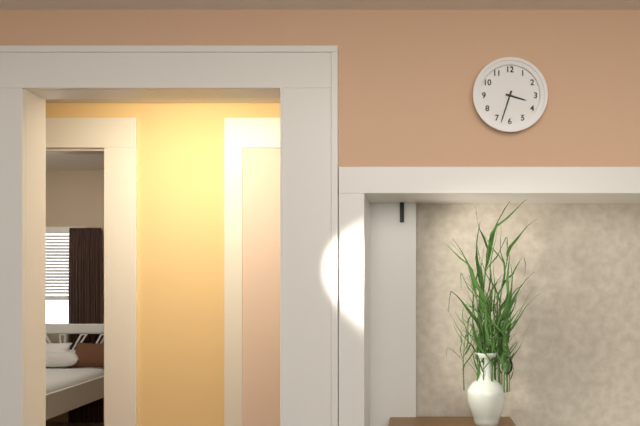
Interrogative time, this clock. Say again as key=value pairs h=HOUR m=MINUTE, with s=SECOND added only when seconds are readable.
h=3 m=33
